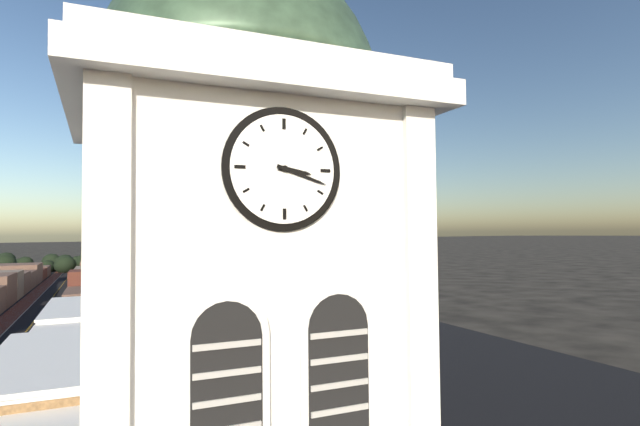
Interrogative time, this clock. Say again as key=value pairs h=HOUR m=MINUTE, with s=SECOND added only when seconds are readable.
h=3 m=18
